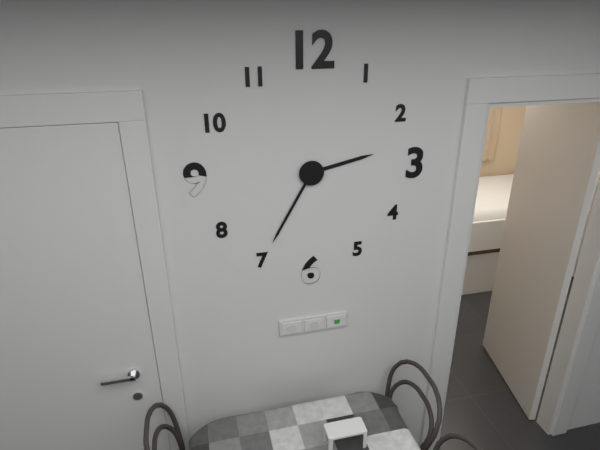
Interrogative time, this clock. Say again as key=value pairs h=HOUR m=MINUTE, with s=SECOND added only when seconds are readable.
h=2 m=35
